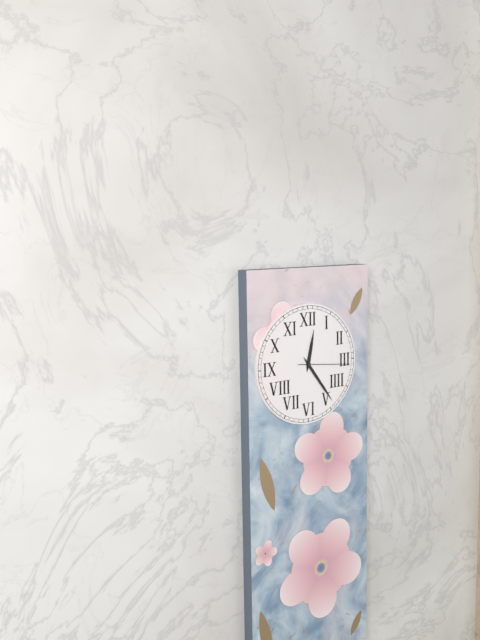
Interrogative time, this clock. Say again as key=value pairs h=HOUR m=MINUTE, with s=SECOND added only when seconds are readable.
h=12 m=24 s=16
